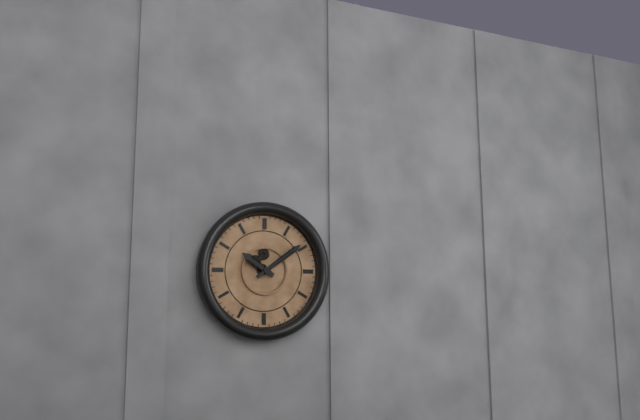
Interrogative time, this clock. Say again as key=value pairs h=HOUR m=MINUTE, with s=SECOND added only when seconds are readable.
h=10 m=9
